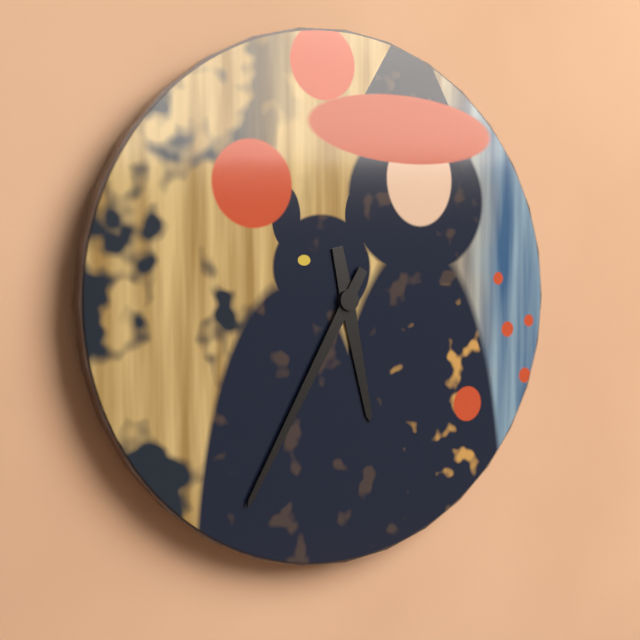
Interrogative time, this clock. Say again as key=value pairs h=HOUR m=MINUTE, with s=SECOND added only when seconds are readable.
h=5 m=35
